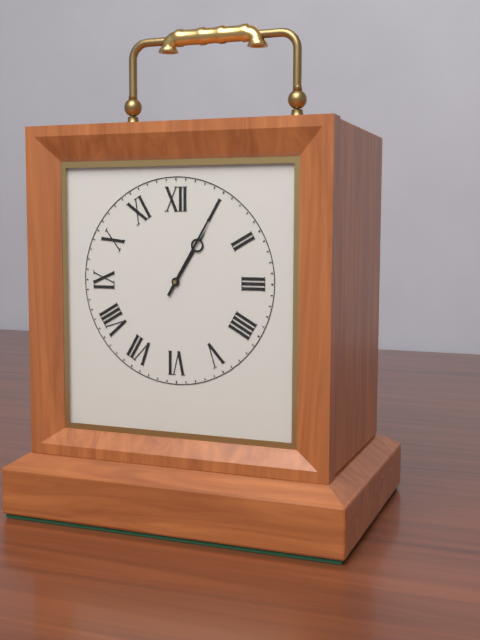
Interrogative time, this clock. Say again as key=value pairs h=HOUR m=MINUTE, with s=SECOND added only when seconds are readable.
h=1 m=5
